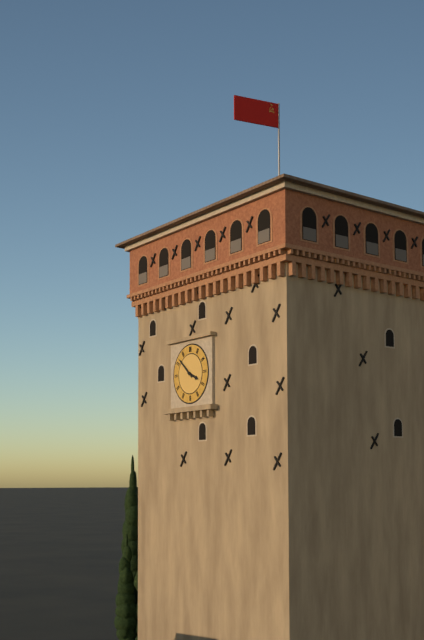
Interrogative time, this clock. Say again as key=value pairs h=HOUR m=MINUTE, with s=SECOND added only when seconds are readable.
h=3 m=52
